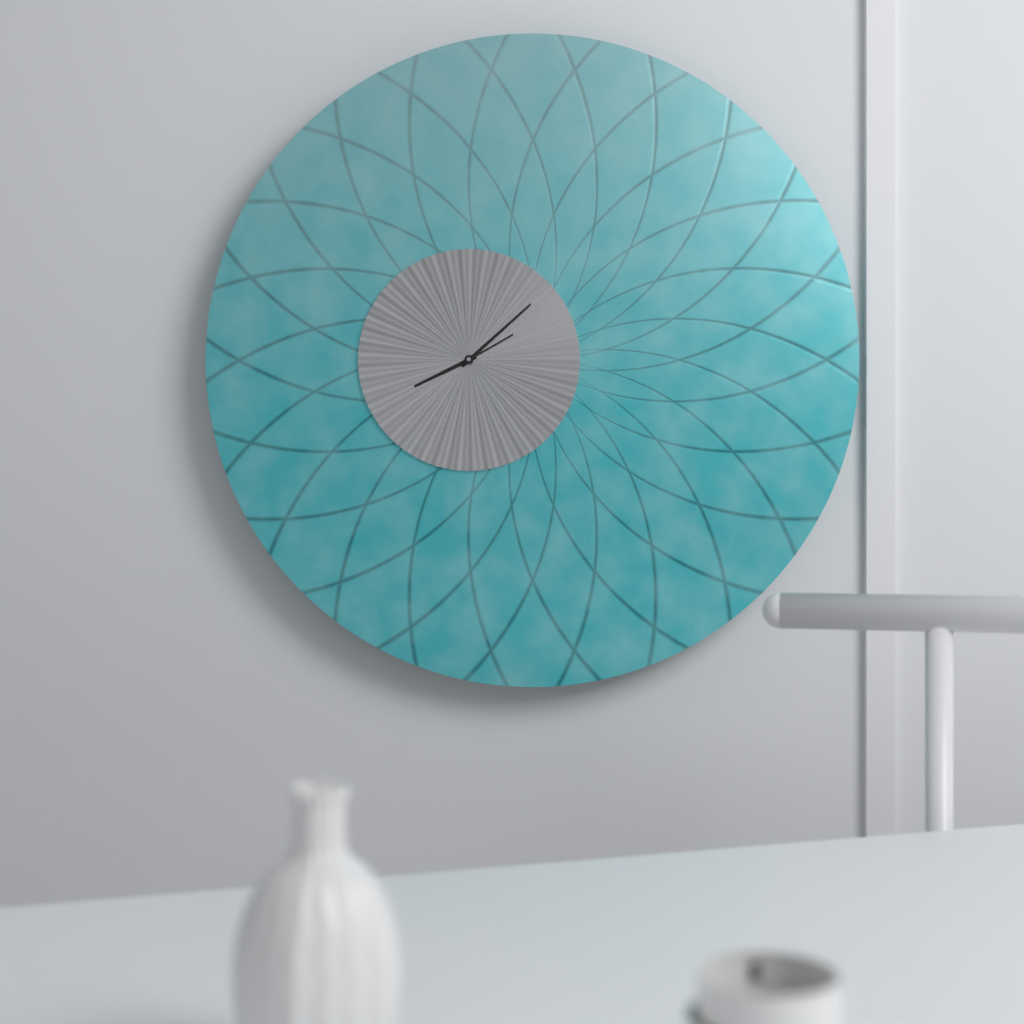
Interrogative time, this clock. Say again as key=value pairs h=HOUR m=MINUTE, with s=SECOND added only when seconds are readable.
h=8 m=8 s=10
